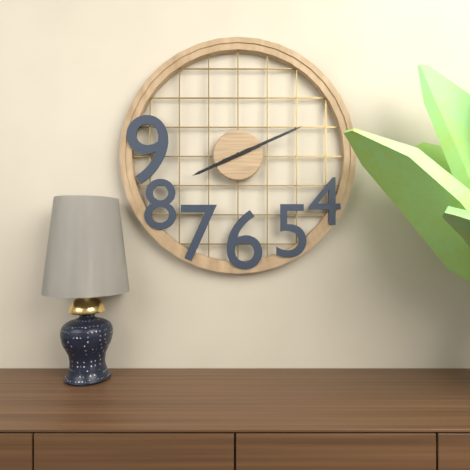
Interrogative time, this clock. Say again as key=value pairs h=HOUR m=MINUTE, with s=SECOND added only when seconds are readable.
h=8 m=11
